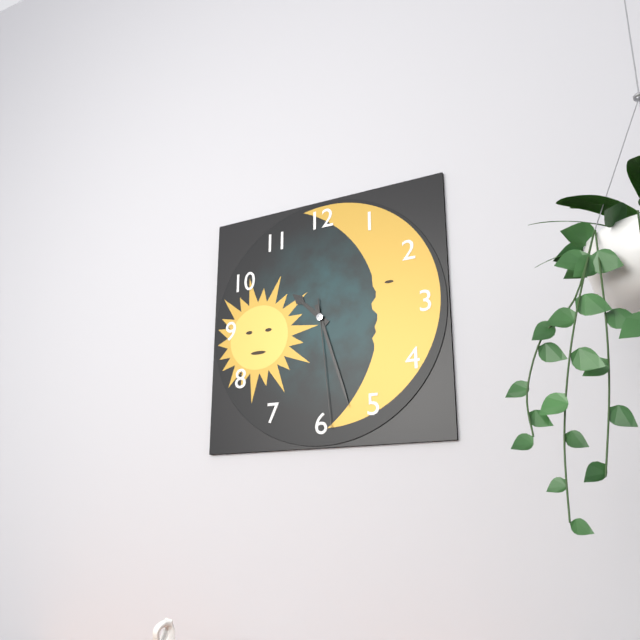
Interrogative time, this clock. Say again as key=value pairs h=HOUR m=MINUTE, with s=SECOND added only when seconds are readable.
h=10 m=27 s=29
